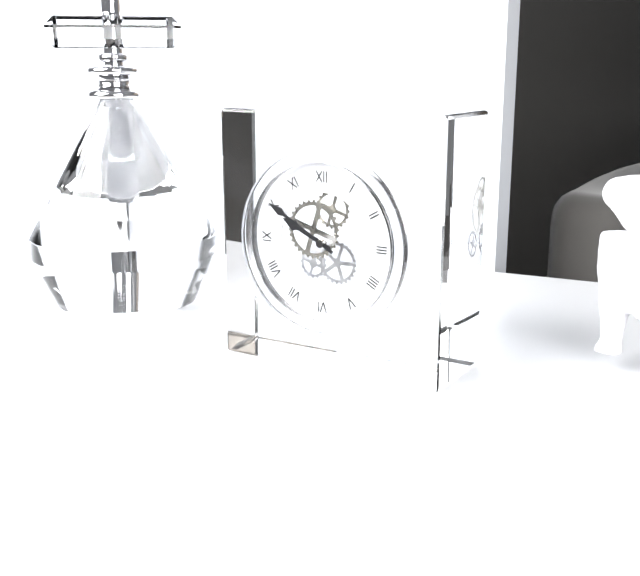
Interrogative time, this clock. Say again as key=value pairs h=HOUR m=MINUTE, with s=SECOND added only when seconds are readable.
h=9 m=50
